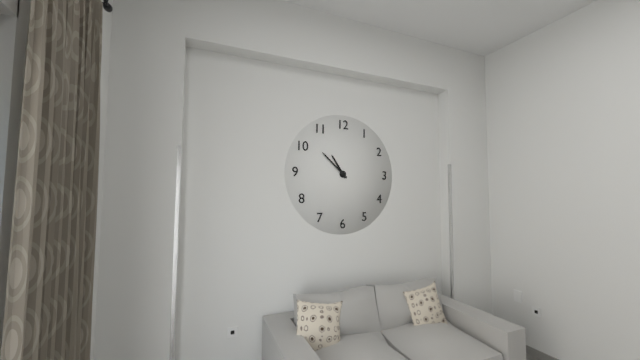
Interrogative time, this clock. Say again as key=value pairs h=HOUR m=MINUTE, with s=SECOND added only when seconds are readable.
h=10 m=52
